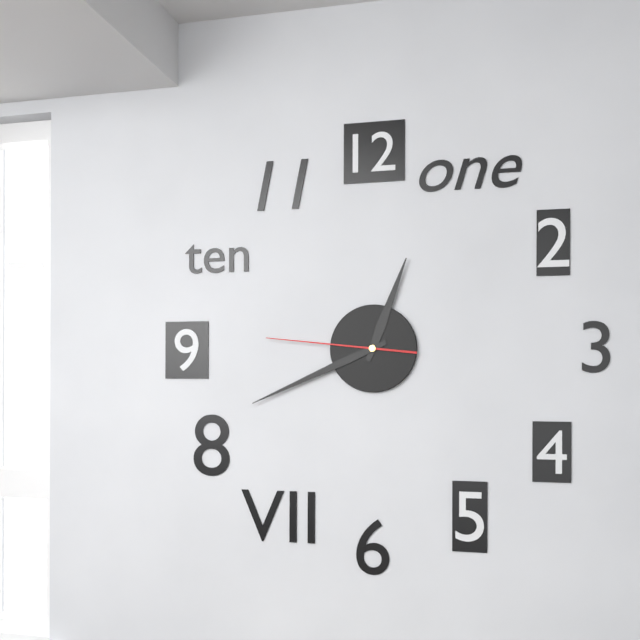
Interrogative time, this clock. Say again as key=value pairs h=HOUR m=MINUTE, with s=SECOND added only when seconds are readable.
h=12 m=41 s=46
